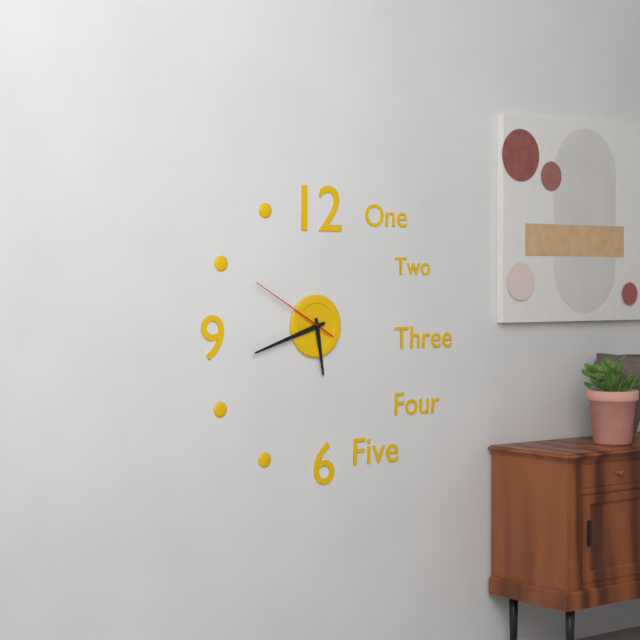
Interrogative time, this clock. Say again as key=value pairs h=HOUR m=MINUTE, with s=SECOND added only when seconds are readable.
h=5 m=42 s=50
